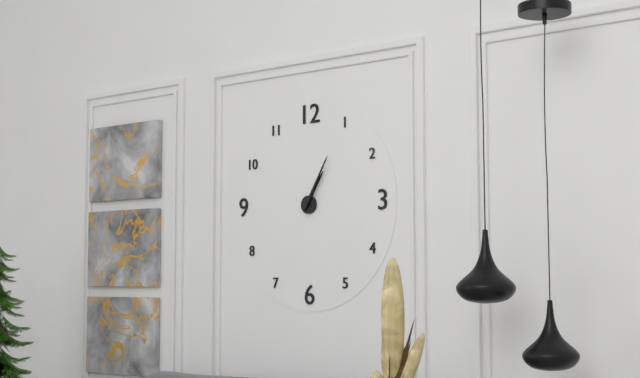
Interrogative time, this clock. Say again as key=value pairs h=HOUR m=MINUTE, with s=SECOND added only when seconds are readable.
h=1 m=5
